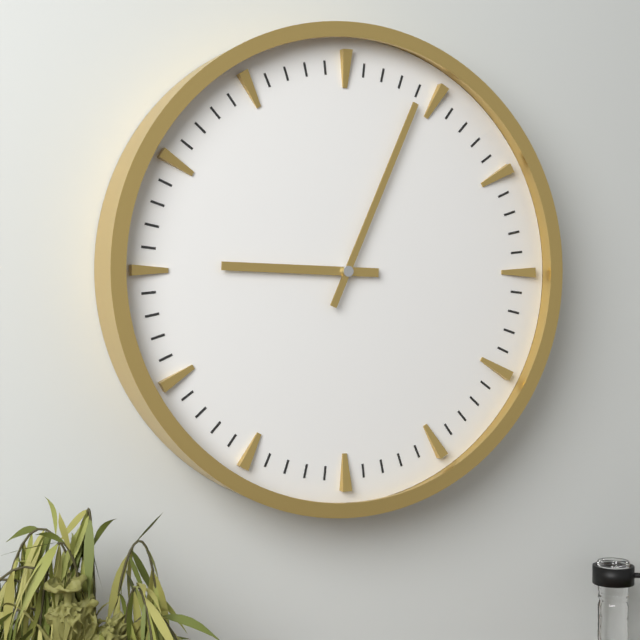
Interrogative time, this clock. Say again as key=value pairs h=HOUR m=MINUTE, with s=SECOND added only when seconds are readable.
h=9 m=4
